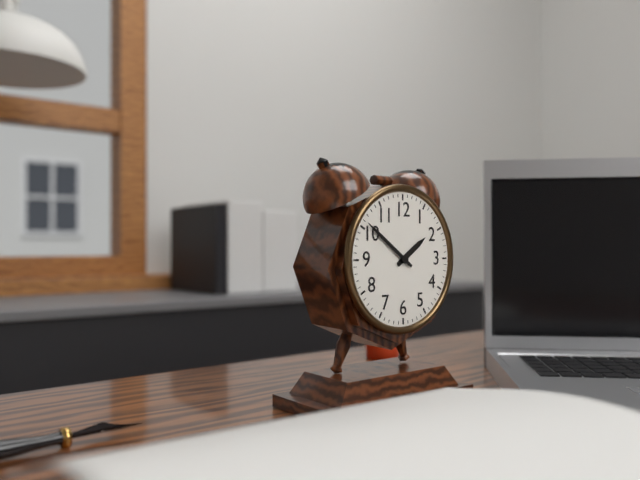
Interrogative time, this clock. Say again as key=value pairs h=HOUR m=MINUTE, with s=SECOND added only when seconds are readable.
h=1 m=51
